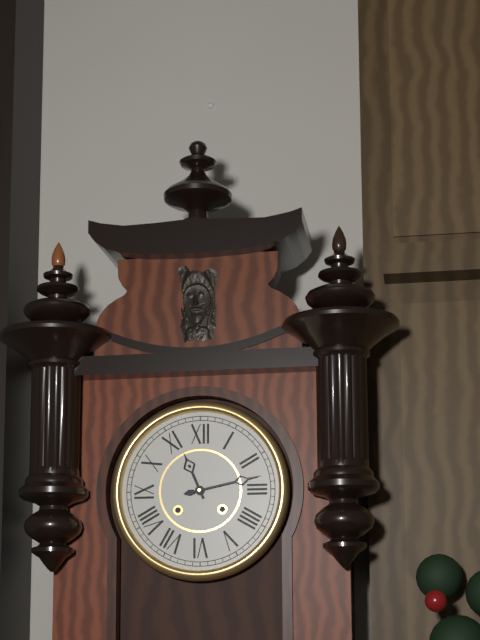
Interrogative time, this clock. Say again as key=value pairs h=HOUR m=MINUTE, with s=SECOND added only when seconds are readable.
h=11 m=13
